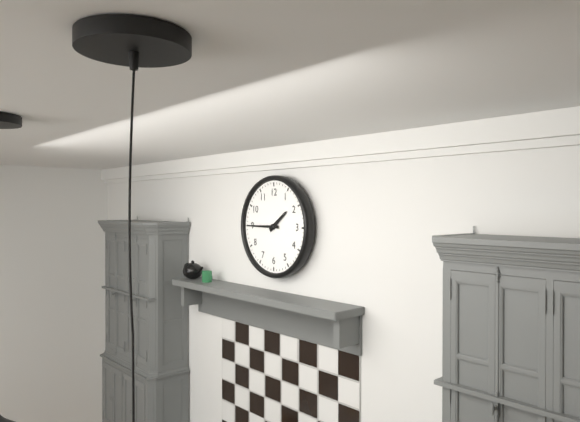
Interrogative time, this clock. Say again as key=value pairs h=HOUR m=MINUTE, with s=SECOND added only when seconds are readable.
h=1 m=45
